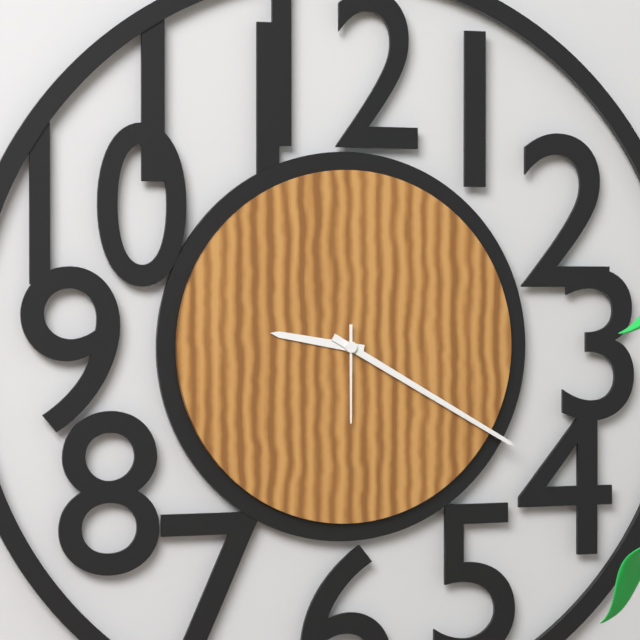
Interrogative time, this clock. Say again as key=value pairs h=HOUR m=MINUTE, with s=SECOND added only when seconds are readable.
h=9 m=20 s=30
